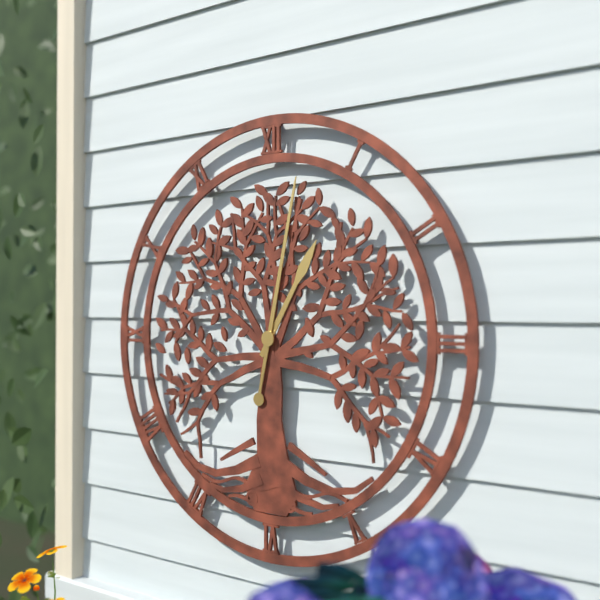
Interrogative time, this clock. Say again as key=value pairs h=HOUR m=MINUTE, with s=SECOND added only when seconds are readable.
h=1 m=2
